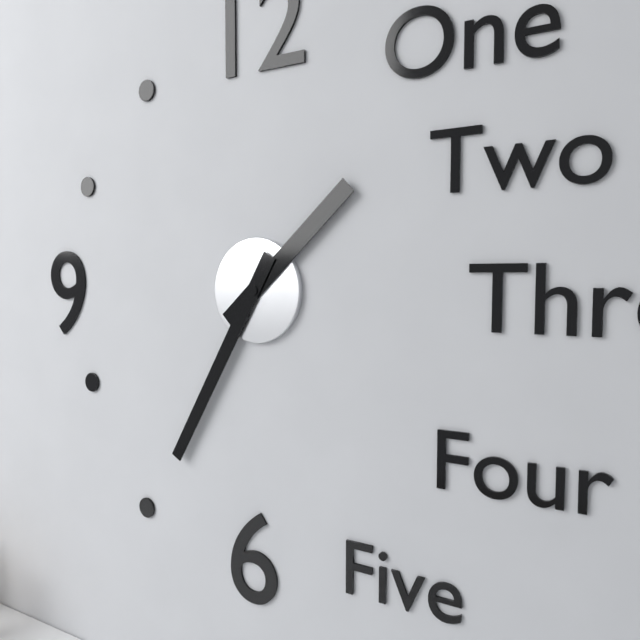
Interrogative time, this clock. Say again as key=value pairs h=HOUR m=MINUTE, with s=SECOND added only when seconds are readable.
h=1 m=35
